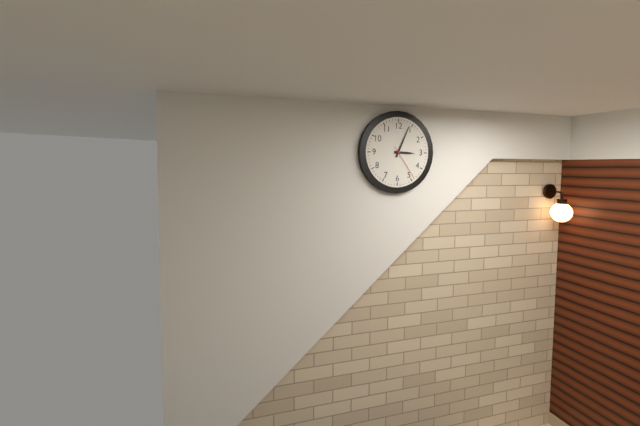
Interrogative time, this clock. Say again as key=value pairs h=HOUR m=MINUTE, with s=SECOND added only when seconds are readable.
h=3 m=4
